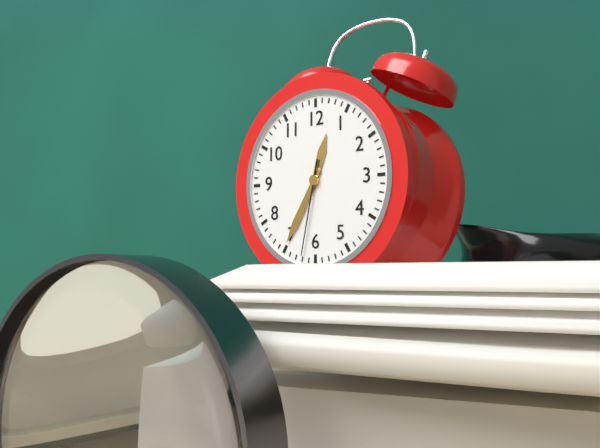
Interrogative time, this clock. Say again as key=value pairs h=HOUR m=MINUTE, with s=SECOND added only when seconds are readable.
h=12 m=35 s=32
